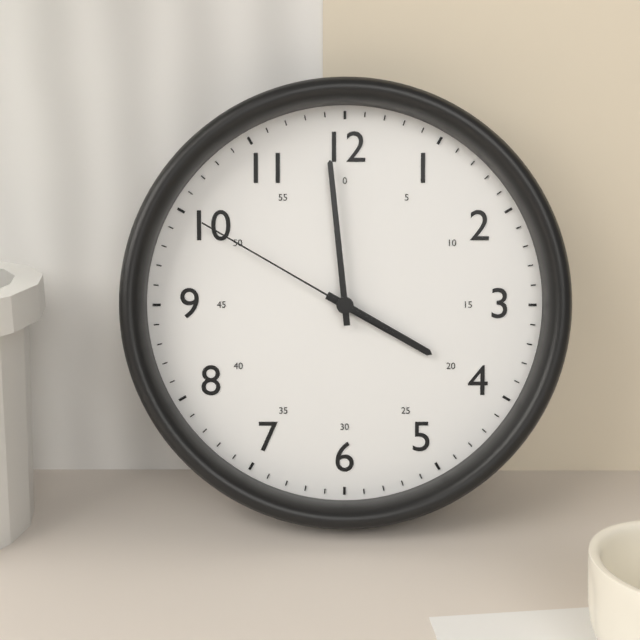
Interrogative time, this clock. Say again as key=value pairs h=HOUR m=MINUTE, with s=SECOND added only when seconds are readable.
h=3 m=59 s=50
